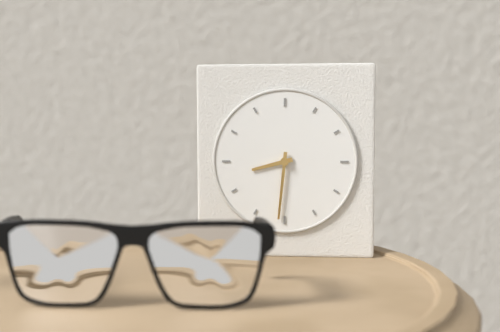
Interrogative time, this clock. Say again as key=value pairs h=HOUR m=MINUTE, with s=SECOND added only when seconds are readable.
h=8 m=31
